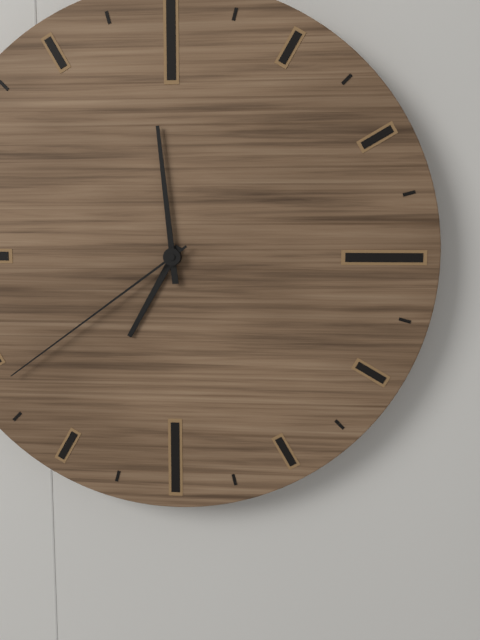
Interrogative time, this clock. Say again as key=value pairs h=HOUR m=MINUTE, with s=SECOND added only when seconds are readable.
h=6 m=59 s=39
